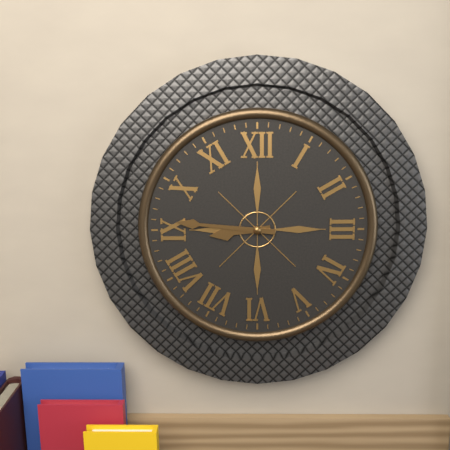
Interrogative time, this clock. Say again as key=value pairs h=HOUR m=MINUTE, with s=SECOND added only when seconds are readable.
h=8 m=46
